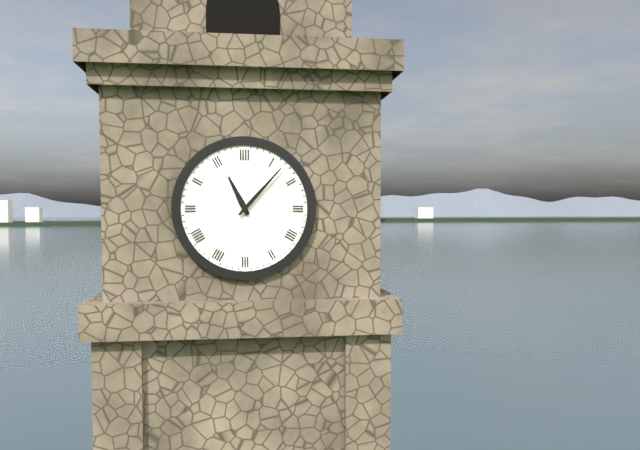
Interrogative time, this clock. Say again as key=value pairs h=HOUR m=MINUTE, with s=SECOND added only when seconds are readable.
h=11 m=7
